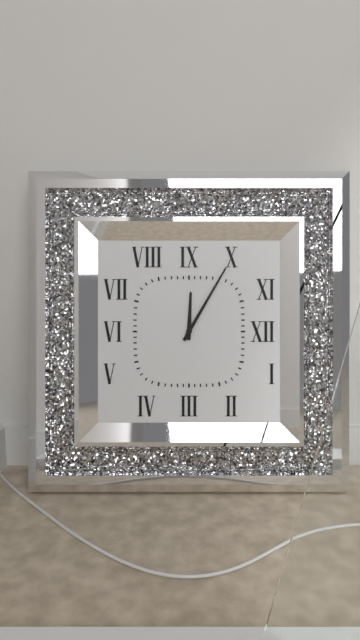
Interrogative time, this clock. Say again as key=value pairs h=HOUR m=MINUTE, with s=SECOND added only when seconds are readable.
h=12 m=5
